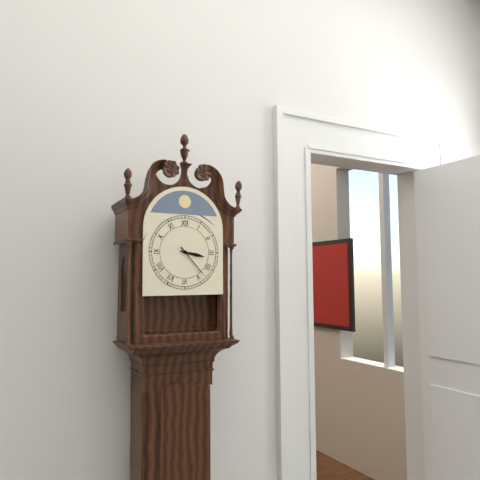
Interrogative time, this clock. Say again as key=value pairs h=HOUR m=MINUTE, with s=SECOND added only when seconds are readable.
h=3 m=23
